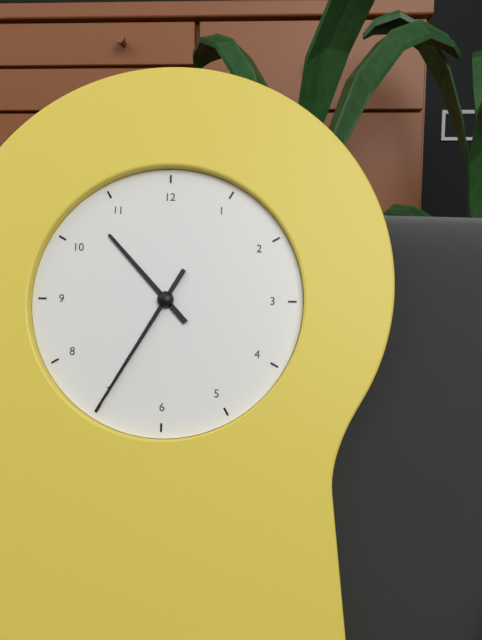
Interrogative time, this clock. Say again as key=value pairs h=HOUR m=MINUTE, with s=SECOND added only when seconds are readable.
h=10 m=35
